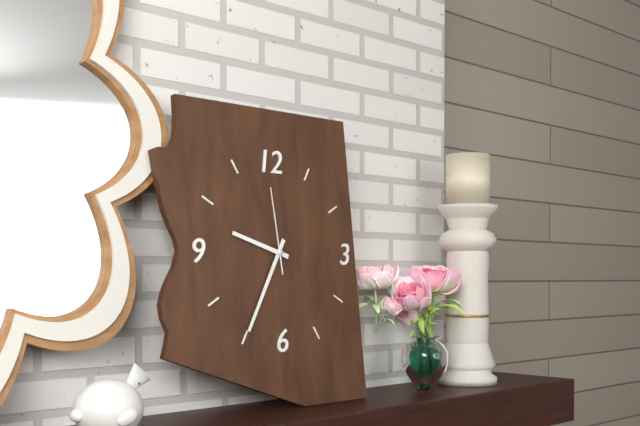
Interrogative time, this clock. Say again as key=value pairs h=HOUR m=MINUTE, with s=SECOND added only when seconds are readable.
h=9 m=35 s=59
